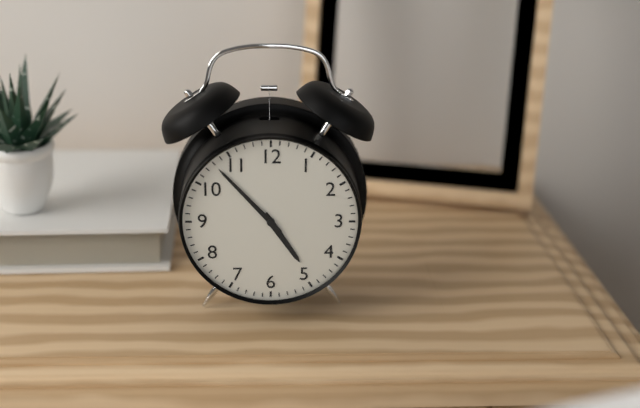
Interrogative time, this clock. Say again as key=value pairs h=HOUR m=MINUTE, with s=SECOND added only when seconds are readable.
h=4 m=53
